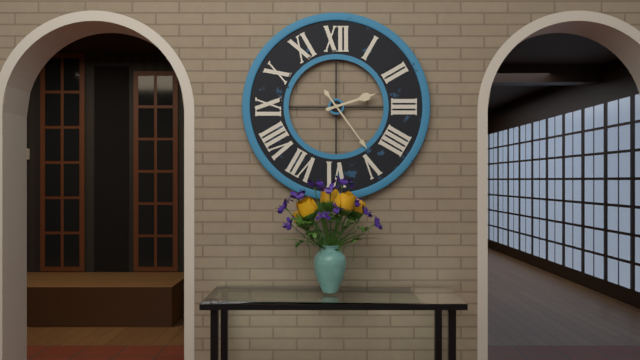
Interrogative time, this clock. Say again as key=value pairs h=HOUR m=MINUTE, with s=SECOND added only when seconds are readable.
h=2 m=24
